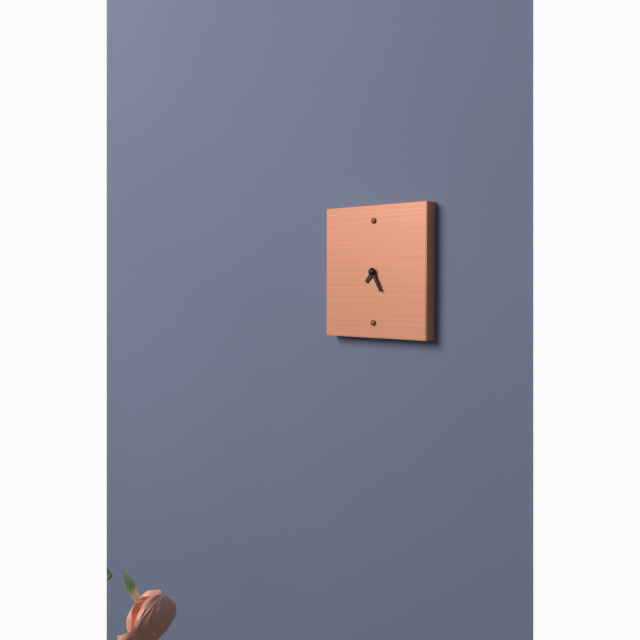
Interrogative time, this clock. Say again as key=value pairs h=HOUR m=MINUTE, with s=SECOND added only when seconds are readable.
h=7 m=25
